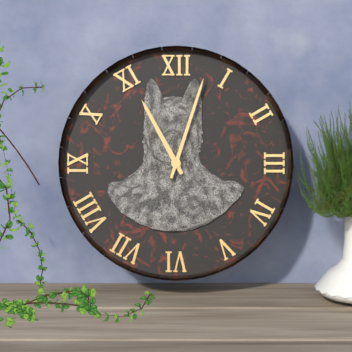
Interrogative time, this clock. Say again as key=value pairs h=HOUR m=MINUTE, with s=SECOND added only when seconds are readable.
h=11 m=3
